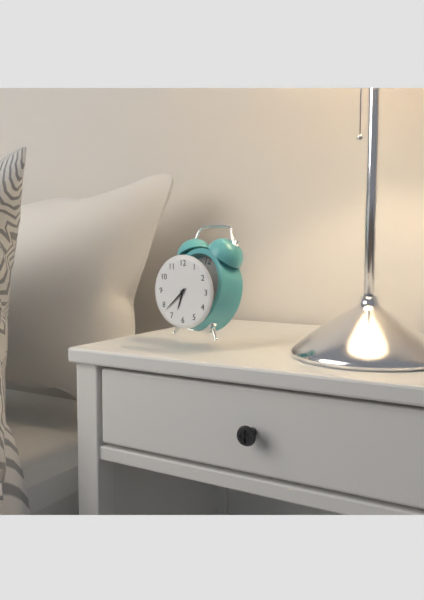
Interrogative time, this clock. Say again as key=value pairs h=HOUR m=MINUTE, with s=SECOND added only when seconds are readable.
h=6 m=38
